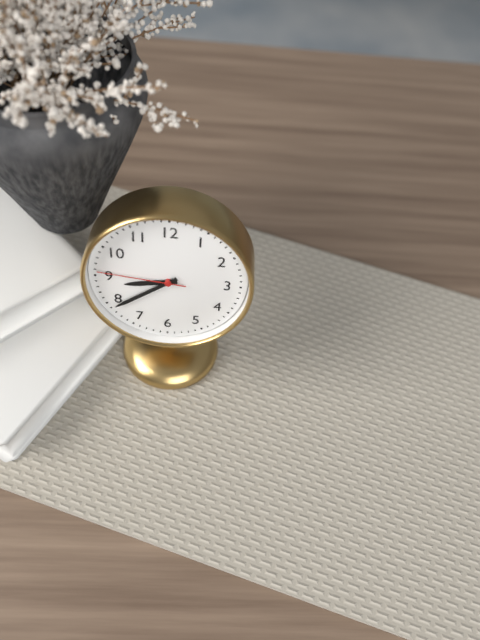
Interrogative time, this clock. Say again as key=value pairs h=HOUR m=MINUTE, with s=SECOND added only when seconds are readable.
h=8 m=39 s=46
